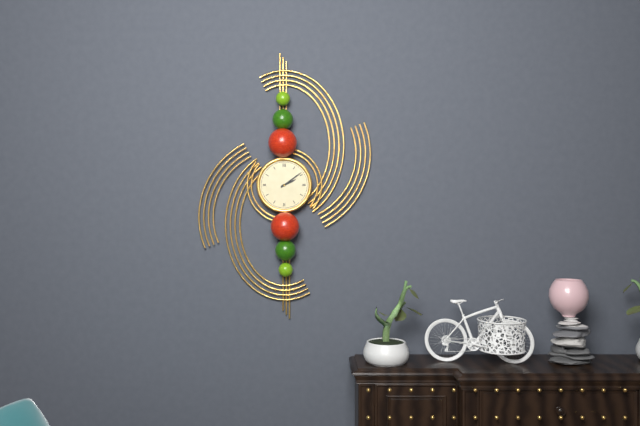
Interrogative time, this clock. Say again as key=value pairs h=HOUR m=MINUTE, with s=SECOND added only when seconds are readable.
h=2 m=9
